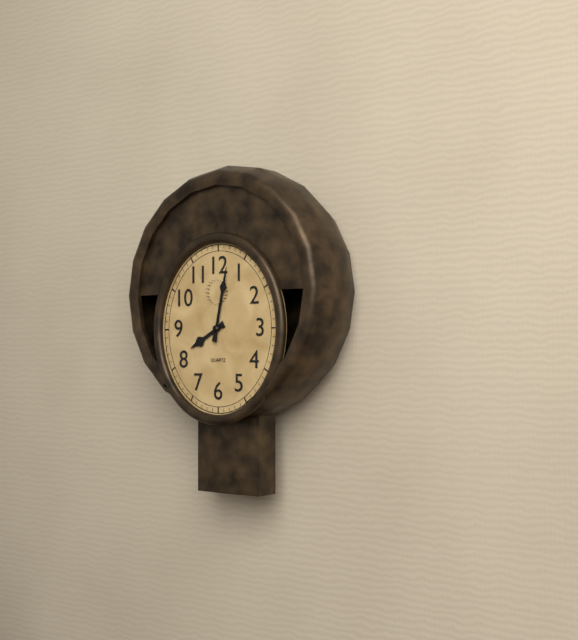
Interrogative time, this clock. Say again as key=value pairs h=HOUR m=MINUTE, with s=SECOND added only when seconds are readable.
h=8 m=2
